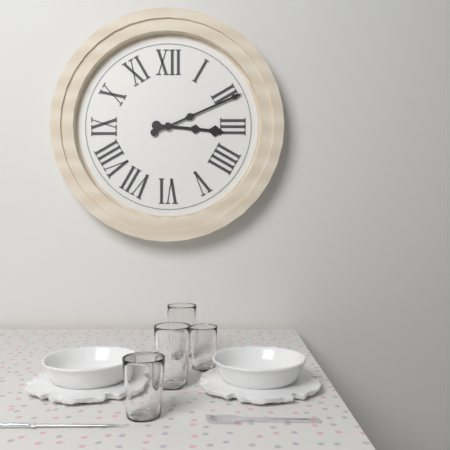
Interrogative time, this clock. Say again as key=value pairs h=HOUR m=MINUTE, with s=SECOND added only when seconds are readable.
h=3 m=11
